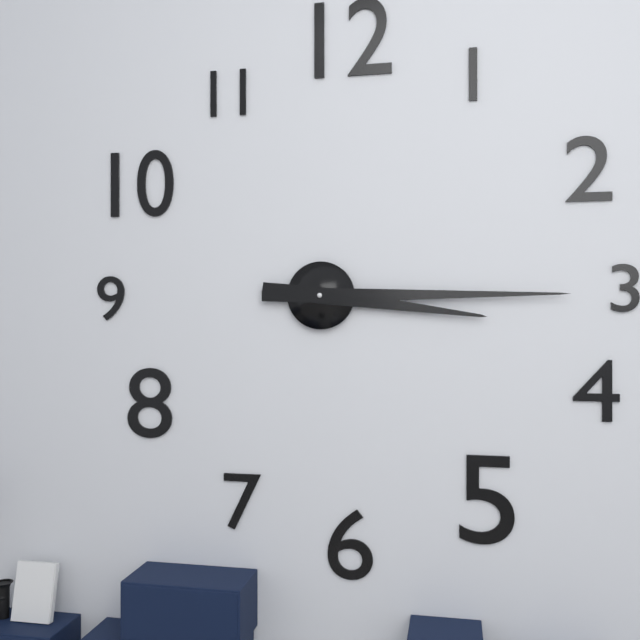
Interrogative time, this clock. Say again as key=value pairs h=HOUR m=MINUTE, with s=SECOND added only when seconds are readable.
h=3 m=15
